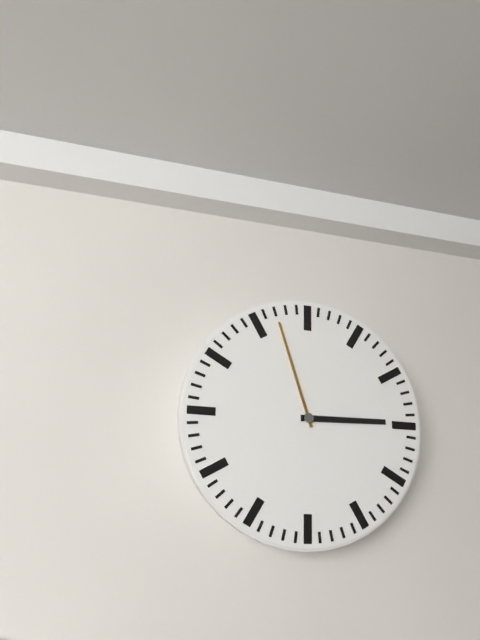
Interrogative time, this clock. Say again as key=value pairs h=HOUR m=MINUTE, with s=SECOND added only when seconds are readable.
h=2 m=57
